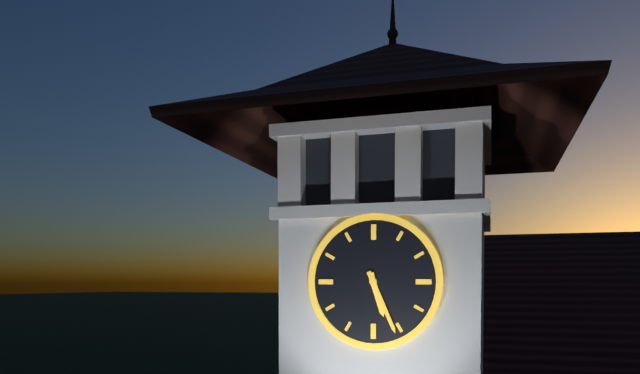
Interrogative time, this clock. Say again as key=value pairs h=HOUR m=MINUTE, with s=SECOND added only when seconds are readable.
h=5 m=26
